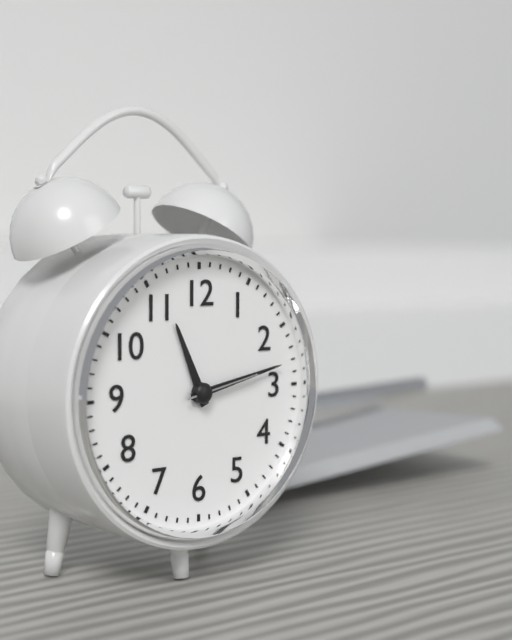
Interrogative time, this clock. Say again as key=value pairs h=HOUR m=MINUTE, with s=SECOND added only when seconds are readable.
h=11 m=13 s=13
